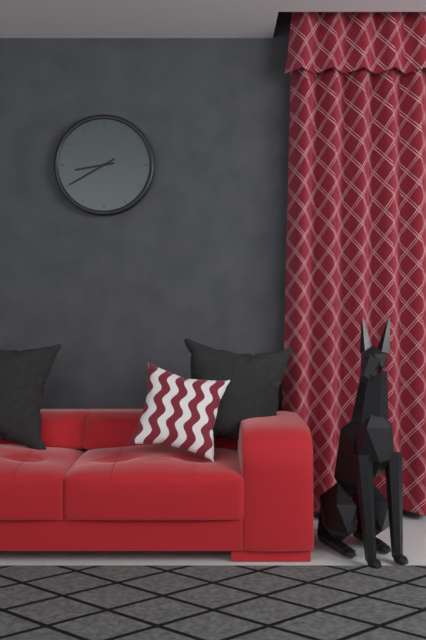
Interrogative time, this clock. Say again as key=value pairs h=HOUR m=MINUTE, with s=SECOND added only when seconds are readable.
h=8 m=40
